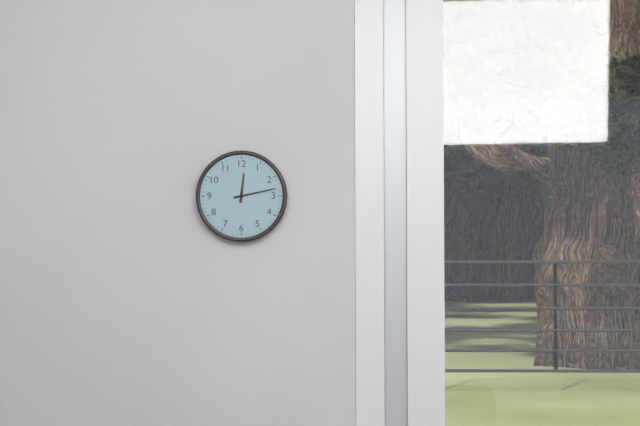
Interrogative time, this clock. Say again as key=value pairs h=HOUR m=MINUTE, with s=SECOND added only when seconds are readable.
h=12 m=13
